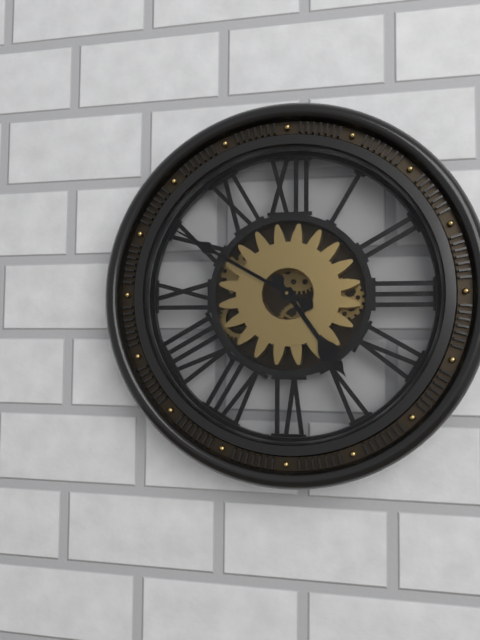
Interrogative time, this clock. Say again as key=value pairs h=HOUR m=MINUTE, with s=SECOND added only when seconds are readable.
h=4 m=50
